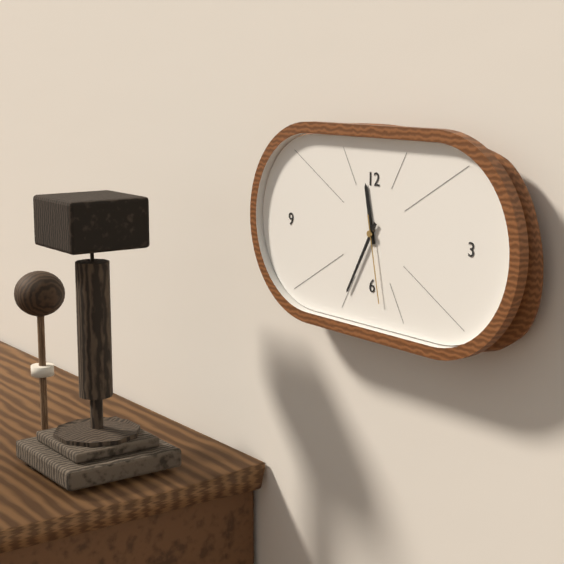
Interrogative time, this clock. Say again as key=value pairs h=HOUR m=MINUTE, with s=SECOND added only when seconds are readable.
h=11 m=35 s=28
